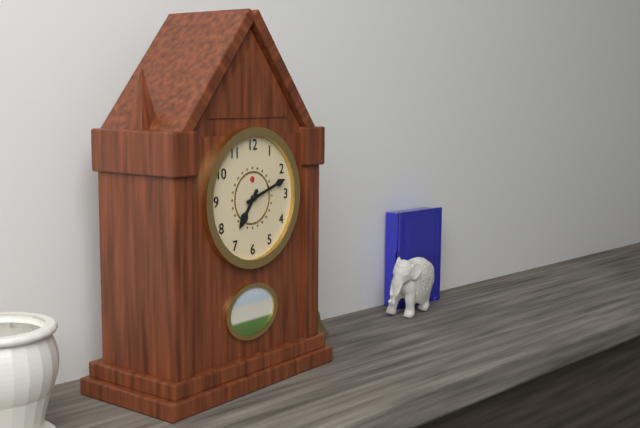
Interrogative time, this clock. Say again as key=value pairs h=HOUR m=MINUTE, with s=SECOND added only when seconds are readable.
h=7 m=12
